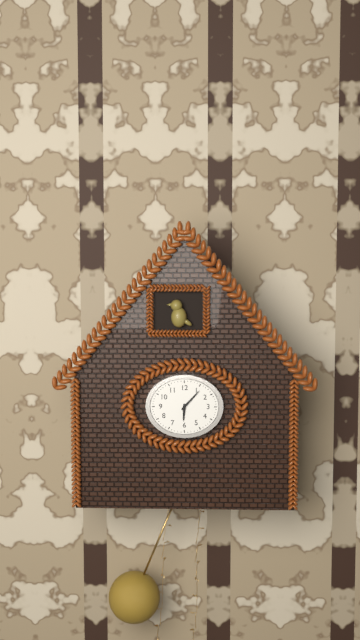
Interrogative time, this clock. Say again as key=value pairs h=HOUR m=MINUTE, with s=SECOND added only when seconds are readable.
h=6 m=7
